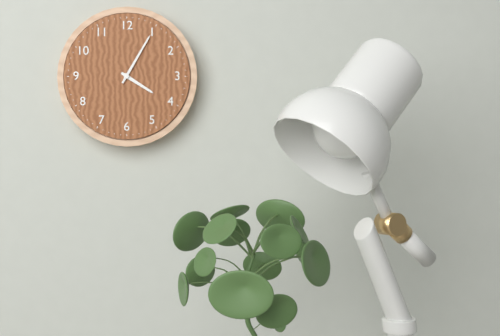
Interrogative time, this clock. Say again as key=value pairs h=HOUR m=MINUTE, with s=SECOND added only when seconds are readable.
h=4 m=5
